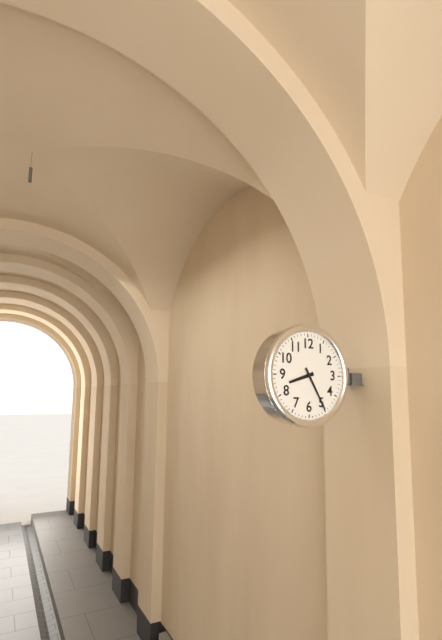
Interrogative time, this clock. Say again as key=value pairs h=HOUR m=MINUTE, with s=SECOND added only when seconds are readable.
h=8 m=25
